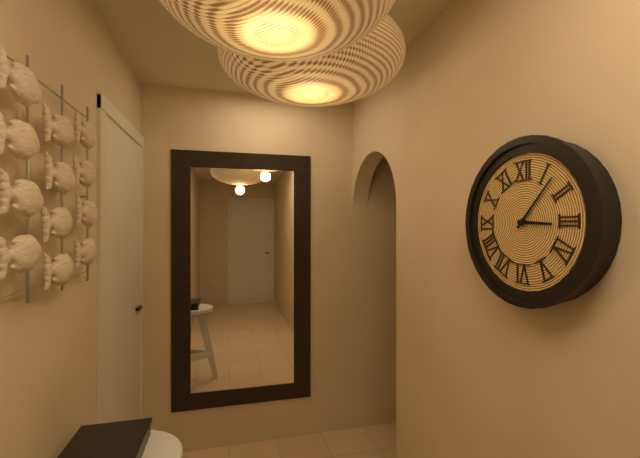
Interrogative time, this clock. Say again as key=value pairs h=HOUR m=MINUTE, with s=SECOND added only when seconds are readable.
h=3 m=7
